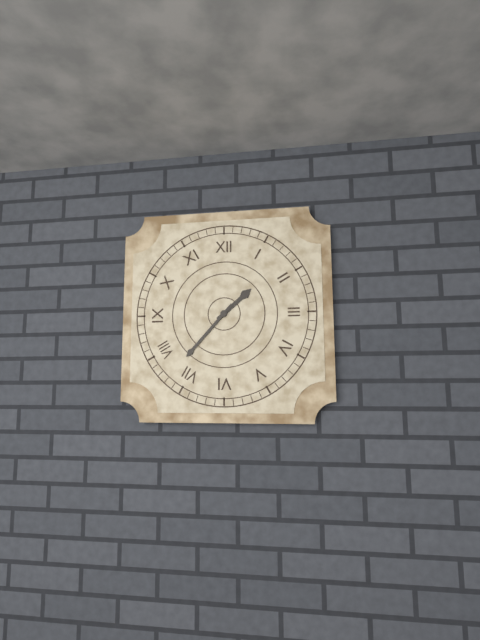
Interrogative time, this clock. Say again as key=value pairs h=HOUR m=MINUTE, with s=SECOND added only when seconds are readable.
h=1 m=37
